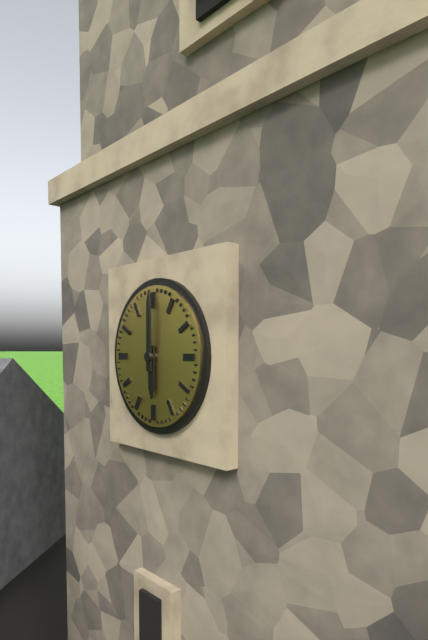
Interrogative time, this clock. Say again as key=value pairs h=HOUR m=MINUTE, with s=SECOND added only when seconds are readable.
h=6 m=0
